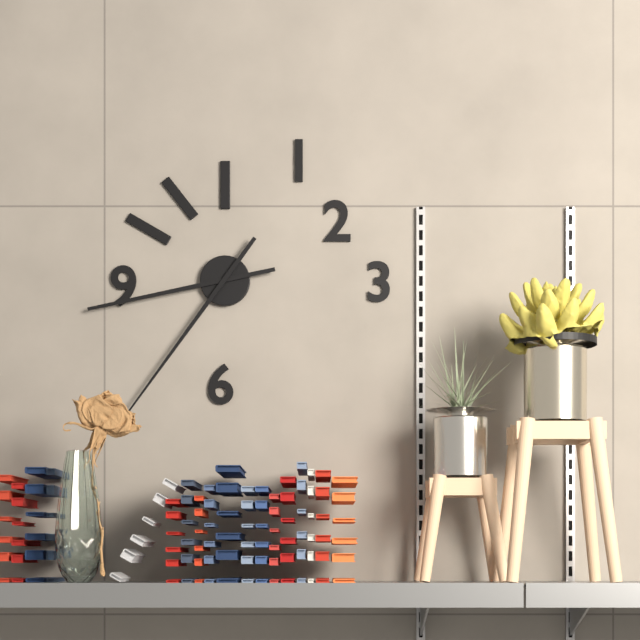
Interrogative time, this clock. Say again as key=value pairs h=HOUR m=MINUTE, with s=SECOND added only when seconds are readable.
h=8 m=36
